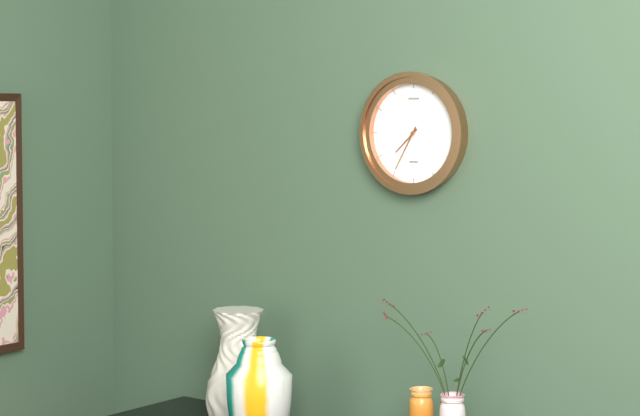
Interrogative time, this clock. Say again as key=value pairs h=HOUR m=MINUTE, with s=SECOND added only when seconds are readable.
h=7 m=35
